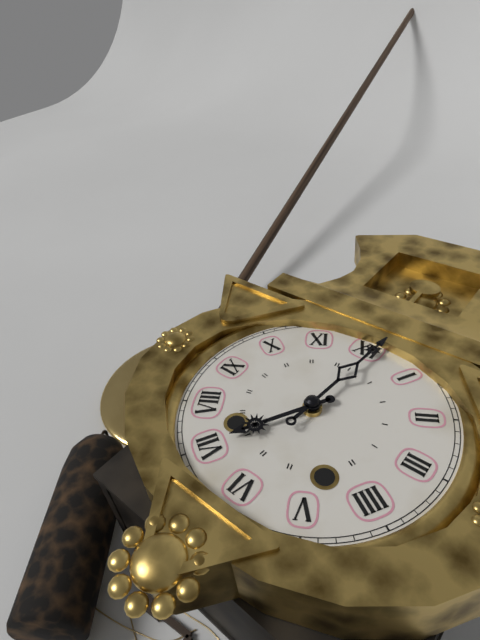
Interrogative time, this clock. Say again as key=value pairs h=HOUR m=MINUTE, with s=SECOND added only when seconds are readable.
h=7 m=1
